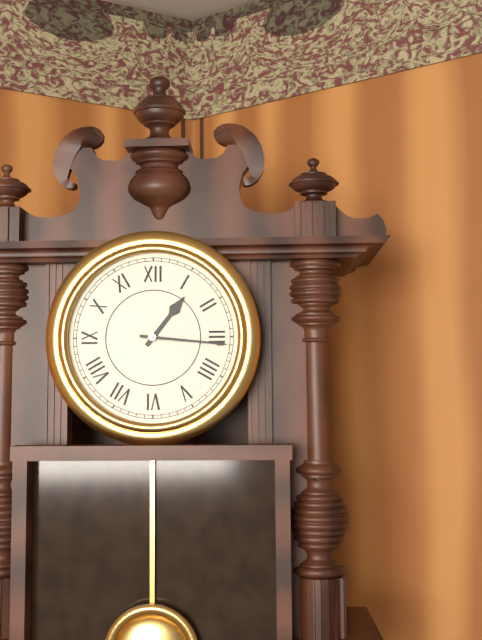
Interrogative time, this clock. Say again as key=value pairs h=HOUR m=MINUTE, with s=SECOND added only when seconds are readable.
h=1 m=16
